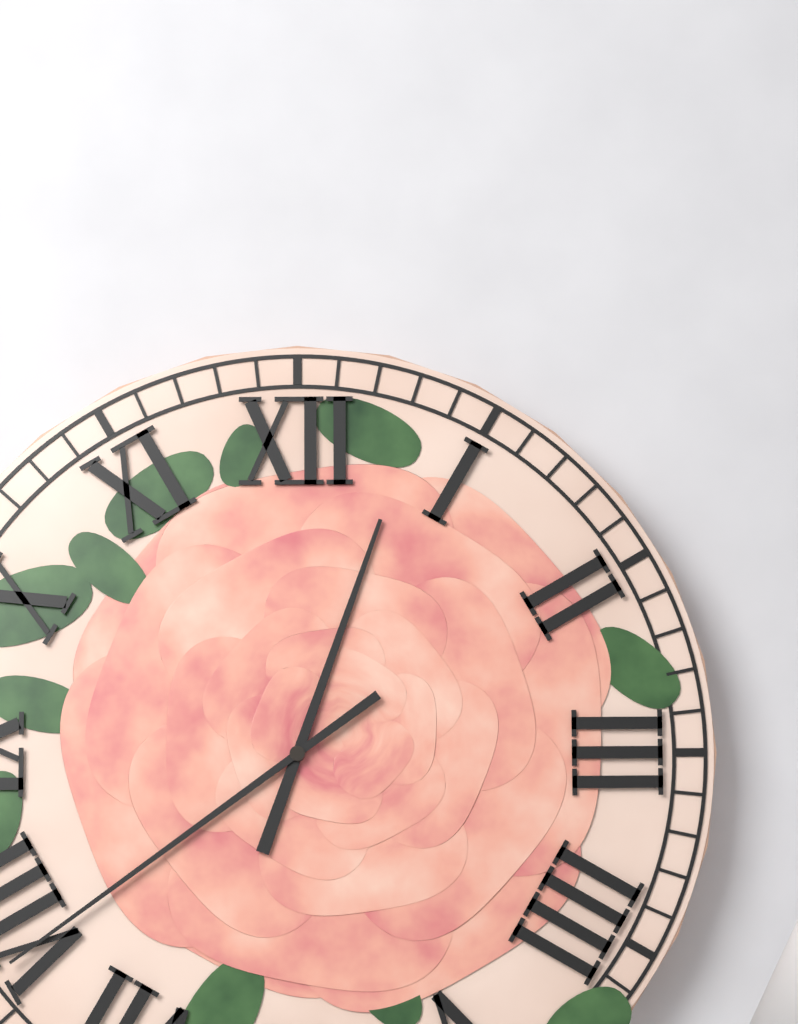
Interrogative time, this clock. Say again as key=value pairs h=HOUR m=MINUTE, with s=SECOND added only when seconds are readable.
h=12 m=39
